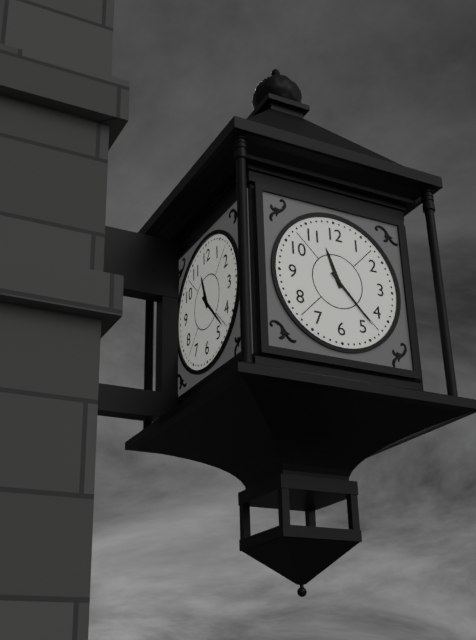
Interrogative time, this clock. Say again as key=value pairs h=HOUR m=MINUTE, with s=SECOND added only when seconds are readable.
h=11 m=23
